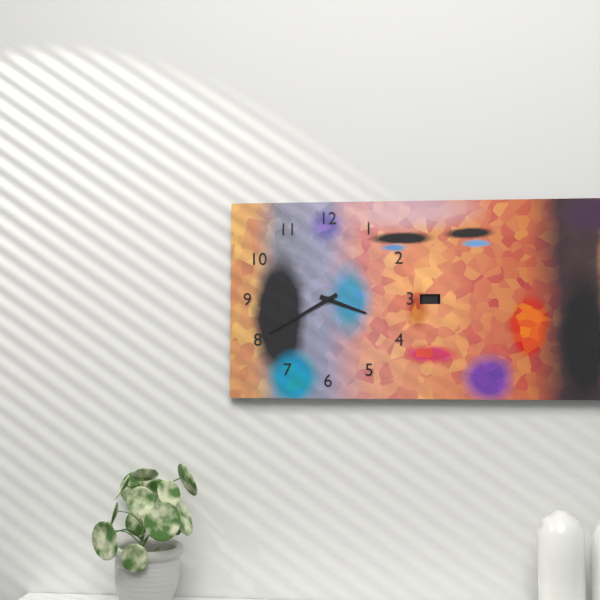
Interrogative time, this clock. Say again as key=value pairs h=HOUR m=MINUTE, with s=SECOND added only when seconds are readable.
h=3 m=40
